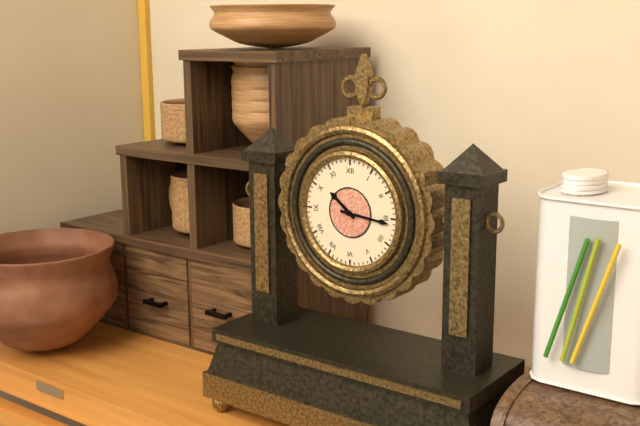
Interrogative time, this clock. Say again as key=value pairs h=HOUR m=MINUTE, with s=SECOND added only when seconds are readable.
h=10 m=16
